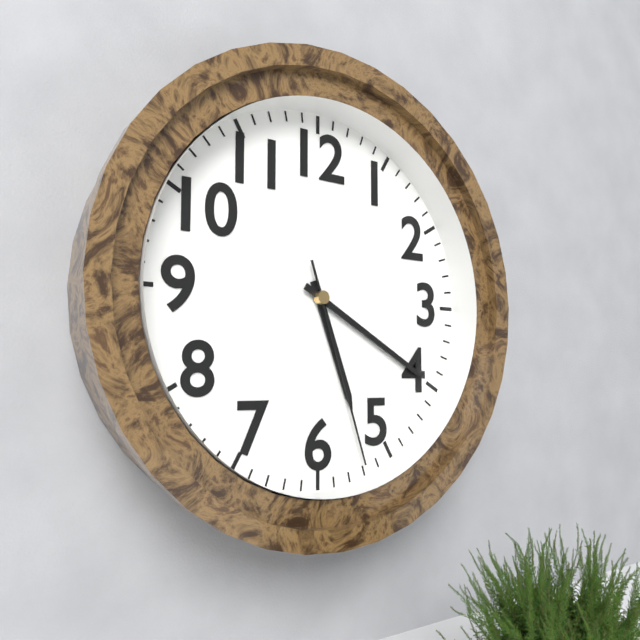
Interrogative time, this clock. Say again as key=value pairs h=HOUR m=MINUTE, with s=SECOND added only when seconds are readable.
h=5 m=20 s=27
